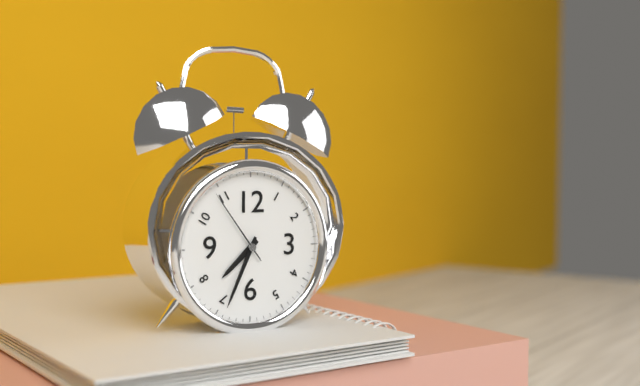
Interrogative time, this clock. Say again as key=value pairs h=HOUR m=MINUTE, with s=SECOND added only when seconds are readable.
h=7 m=34 s=54
